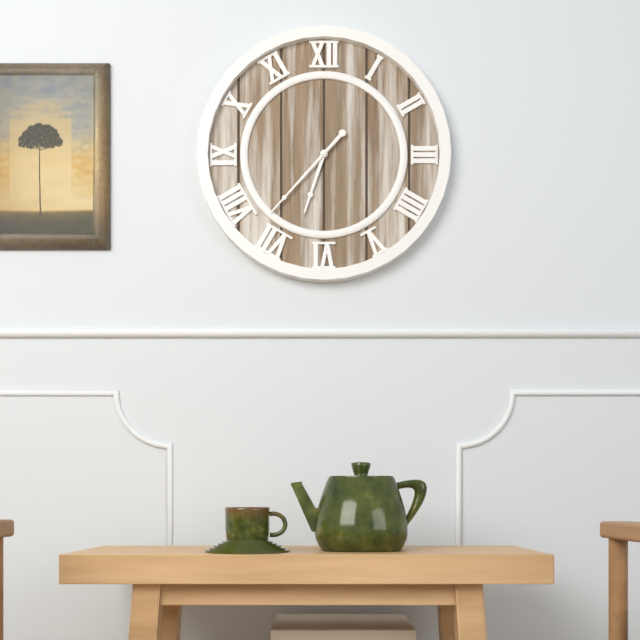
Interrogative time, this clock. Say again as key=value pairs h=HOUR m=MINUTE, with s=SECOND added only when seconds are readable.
h=6 m=37
